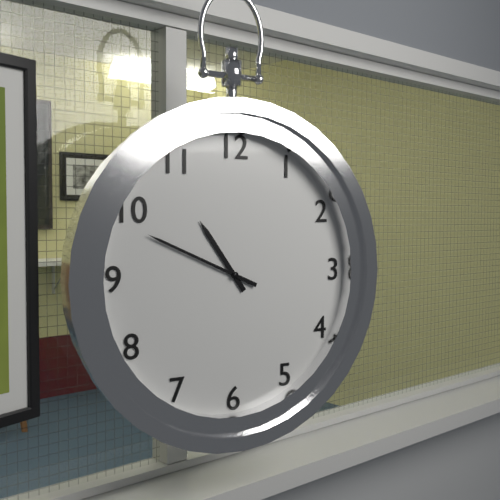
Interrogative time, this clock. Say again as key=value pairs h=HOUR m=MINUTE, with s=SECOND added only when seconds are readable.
h=10 m=49
